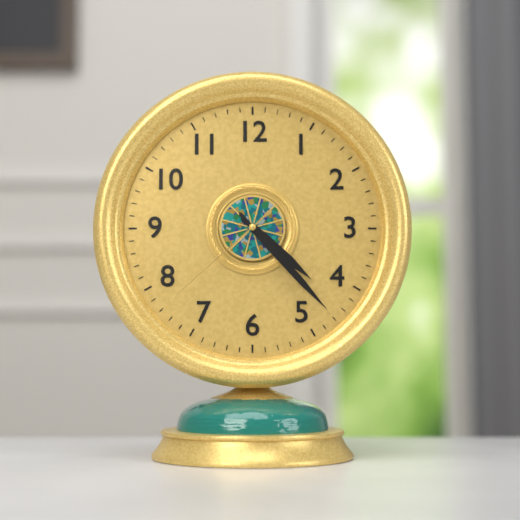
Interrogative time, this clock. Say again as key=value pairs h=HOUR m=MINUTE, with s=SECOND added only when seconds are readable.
h=4 m=23 s=38
